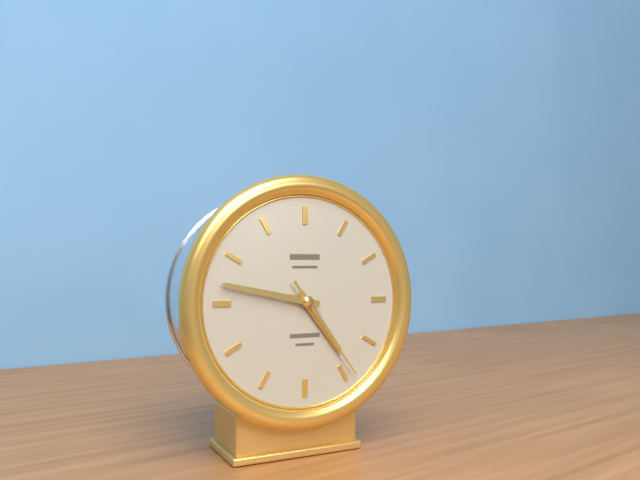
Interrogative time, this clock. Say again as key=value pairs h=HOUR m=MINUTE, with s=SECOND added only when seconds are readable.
h=4 m=47 s=24
